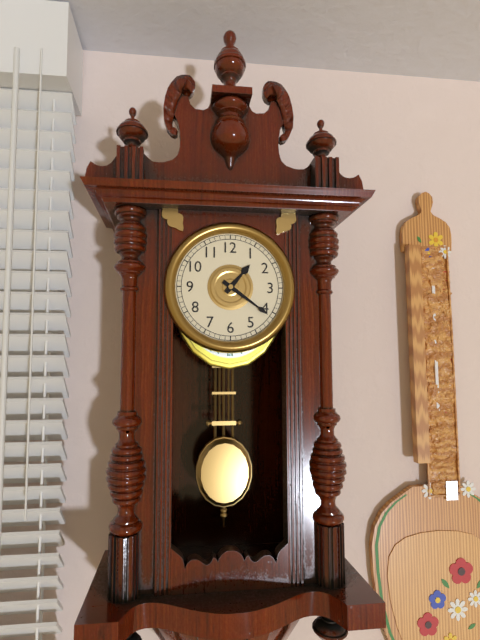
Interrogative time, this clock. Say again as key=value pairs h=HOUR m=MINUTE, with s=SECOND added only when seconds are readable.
h=1 m=21
